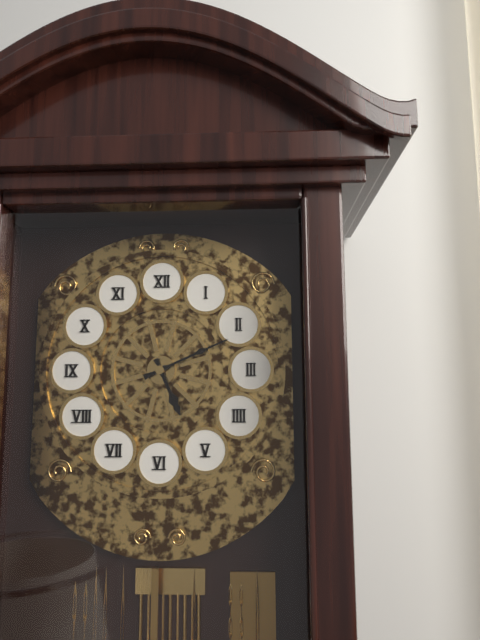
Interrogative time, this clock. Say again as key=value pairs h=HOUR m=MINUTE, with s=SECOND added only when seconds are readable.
h=5 m=11
